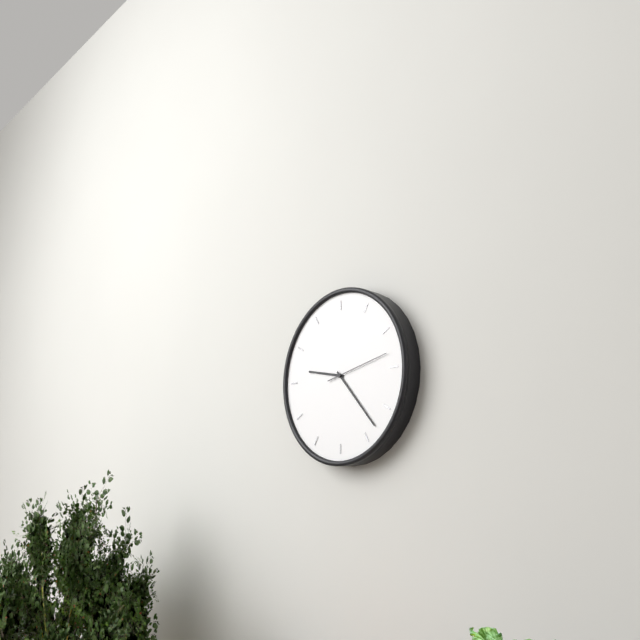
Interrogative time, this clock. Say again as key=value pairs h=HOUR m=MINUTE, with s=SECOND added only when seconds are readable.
h=9 m=23 s=13
